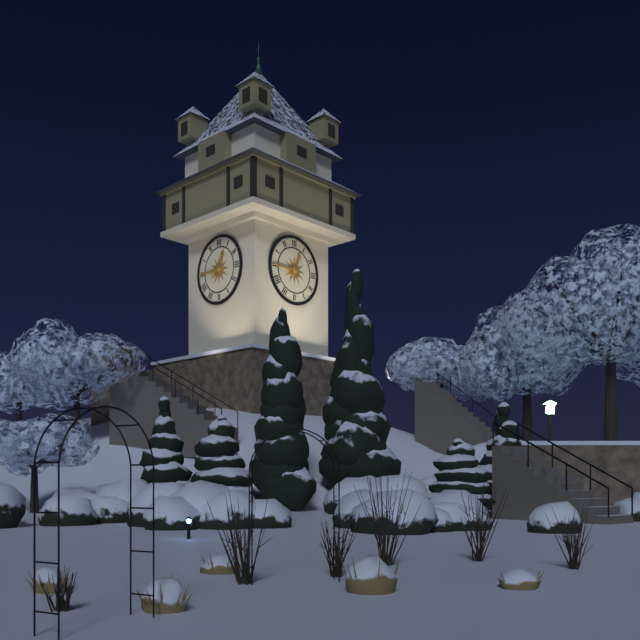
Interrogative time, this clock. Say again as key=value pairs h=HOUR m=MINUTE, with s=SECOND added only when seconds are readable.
h=12 m=45
